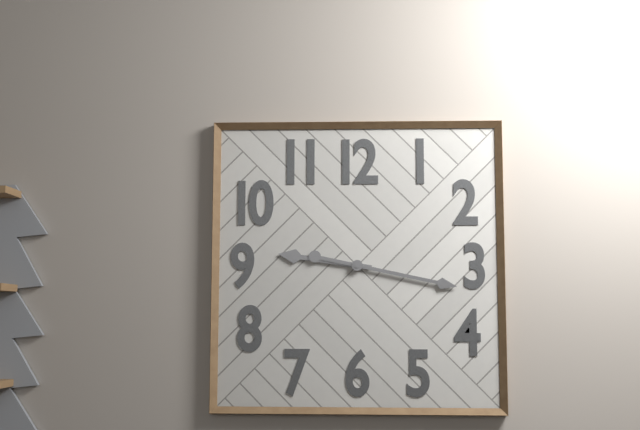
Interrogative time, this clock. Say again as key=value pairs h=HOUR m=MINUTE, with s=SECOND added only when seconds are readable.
h=9 m=17
